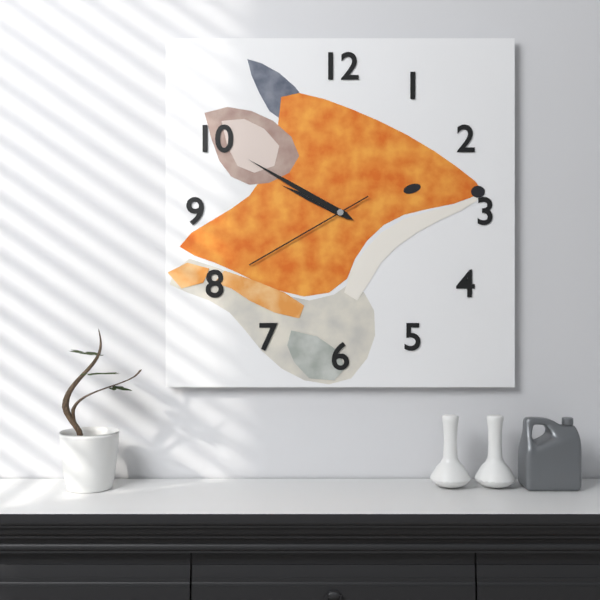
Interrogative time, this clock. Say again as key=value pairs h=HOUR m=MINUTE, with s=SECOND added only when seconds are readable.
h=9 m=50 s=40
